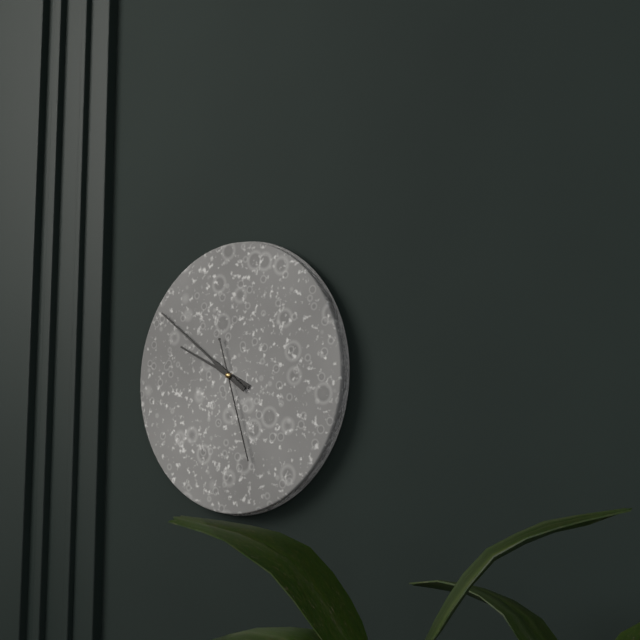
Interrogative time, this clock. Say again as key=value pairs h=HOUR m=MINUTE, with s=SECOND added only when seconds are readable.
h=9 m=51 s=27
